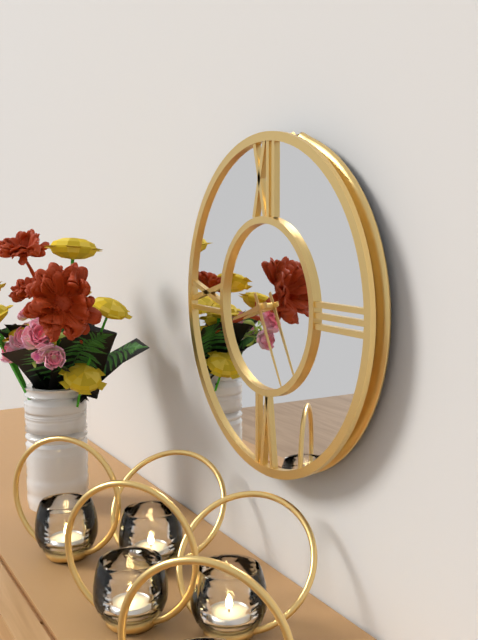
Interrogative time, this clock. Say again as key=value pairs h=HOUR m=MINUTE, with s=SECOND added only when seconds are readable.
h=8 m=25
